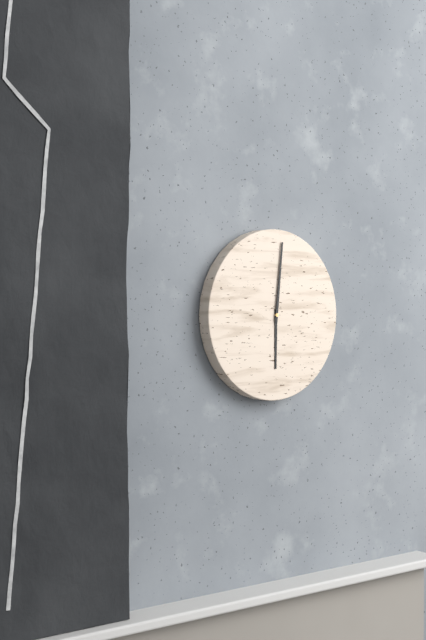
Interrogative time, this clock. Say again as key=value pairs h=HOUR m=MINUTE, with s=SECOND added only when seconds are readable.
h=6 m=1
